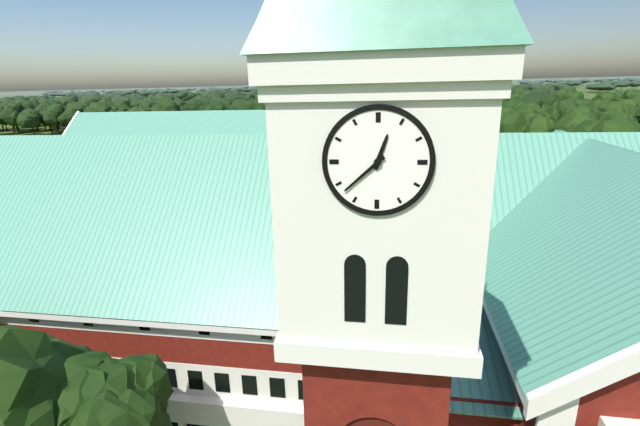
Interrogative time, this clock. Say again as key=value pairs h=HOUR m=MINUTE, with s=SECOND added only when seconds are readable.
h=12 m=38
